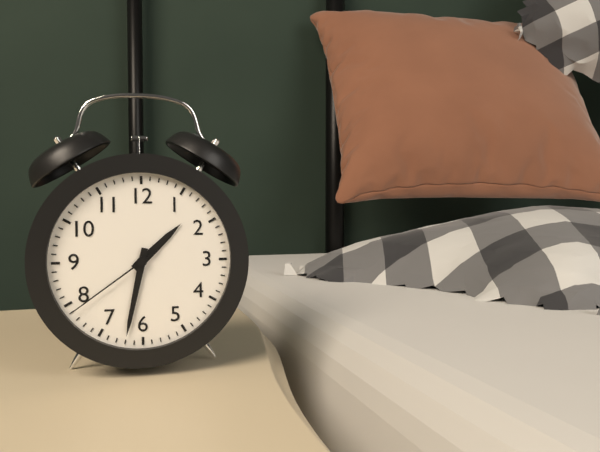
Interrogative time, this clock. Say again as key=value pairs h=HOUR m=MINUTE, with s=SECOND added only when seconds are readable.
h=1 m=32 s=39
